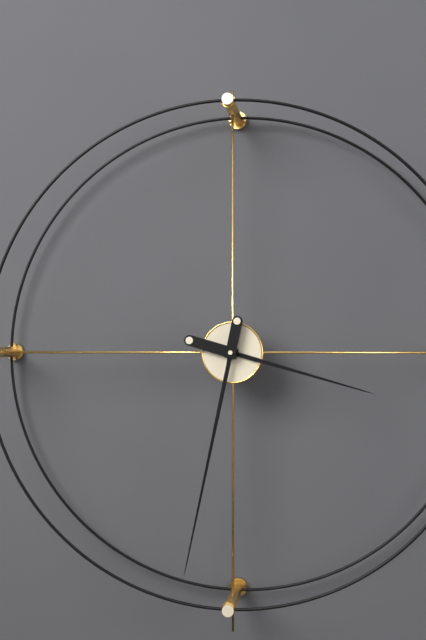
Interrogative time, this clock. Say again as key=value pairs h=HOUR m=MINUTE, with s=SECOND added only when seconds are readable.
h=3 m=32
